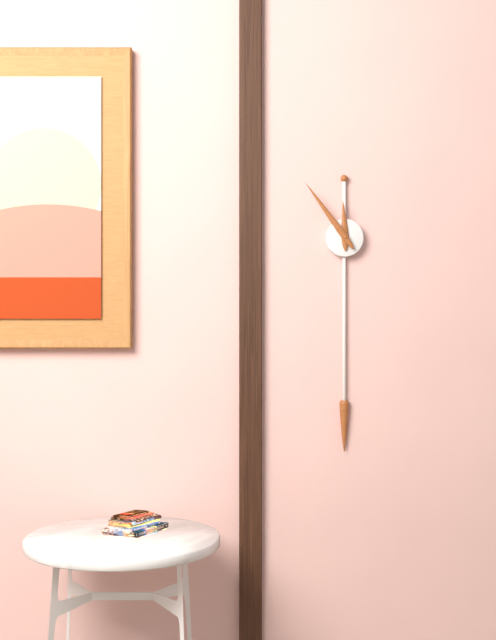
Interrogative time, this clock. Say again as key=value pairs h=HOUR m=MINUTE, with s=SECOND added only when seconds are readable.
h=11 m=54
